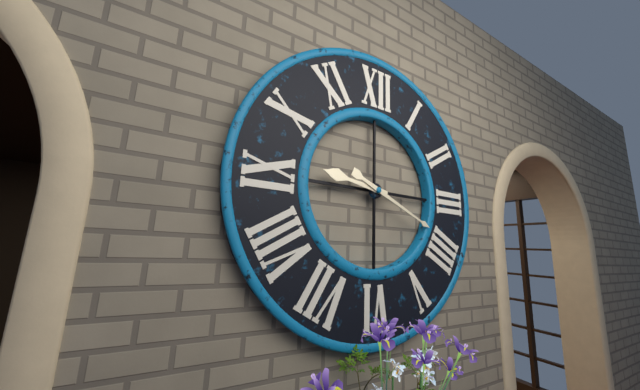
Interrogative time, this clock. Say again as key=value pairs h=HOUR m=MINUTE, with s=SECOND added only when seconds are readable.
h=9 m=19
